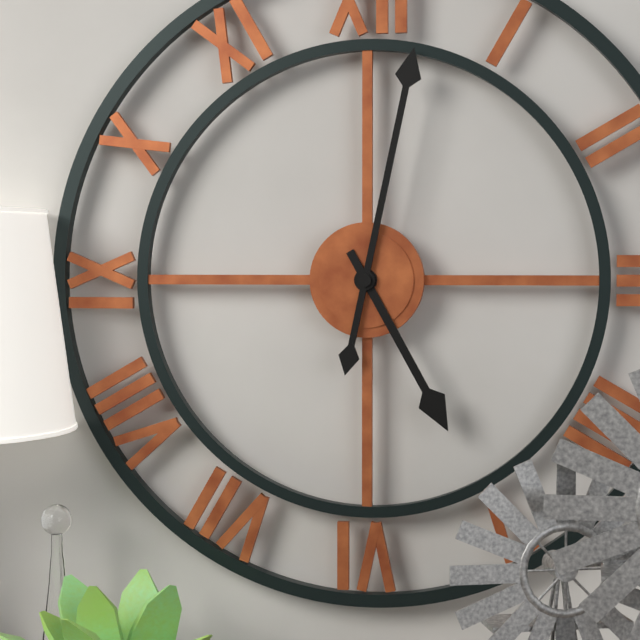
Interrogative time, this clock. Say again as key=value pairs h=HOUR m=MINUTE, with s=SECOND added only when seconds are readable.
h=5 m=2
